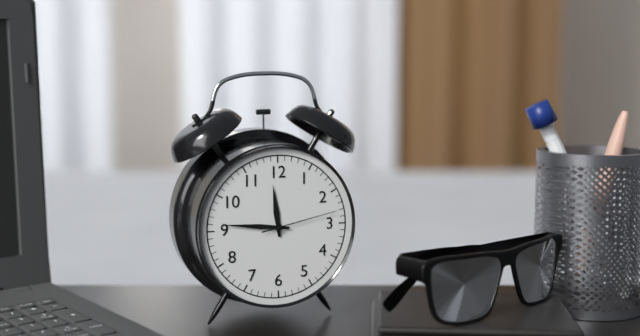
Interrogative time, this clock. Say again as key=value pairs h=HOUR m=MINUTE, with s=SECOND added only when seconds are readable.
h=11 m=46 s=13
